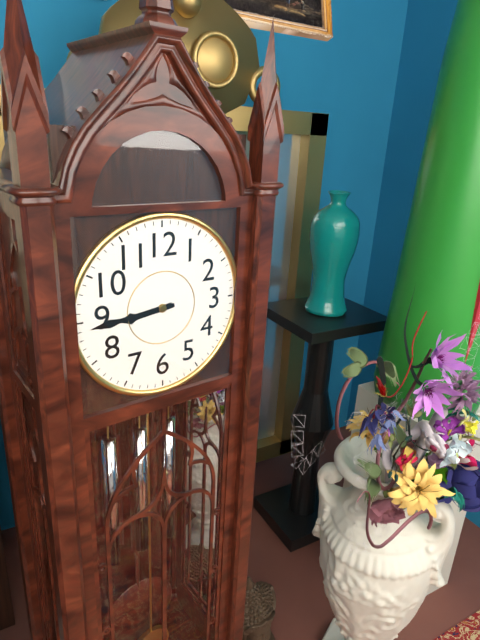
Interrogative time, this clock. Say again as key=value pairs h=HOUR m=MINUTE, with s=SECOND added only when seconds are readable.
h=8 m=44
